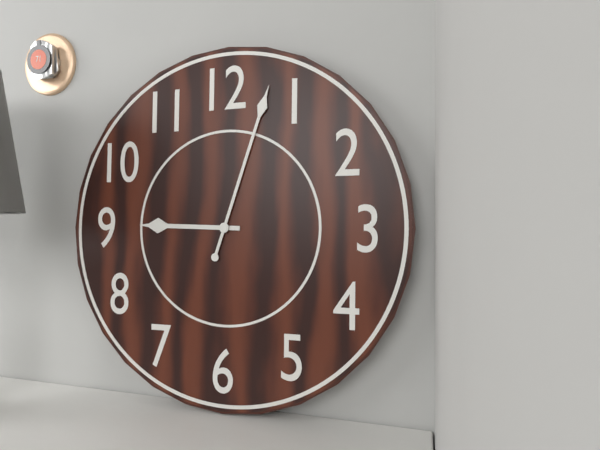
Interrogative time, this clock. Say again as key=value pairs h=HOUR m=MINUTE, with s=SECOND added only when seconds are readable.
h=9 m=3
